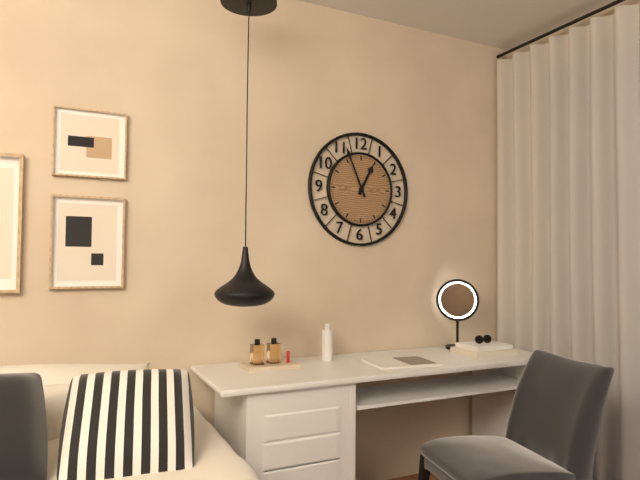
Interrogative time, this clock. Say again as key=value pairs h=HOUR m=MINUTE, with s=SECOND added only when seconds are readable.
h=12 m=56
